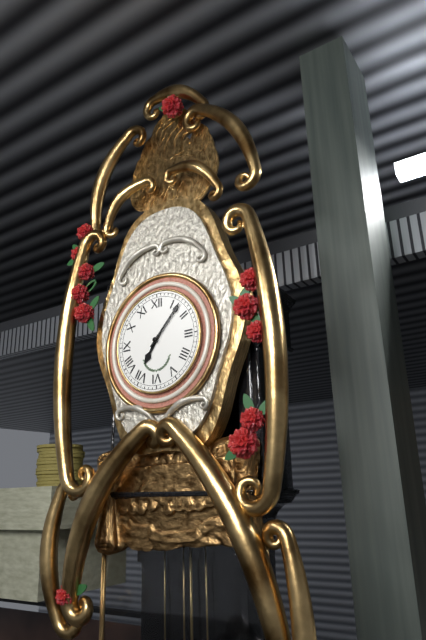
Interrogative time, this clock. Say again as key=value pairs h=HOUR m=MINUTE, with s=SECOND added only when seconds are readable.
h=7 m=7
